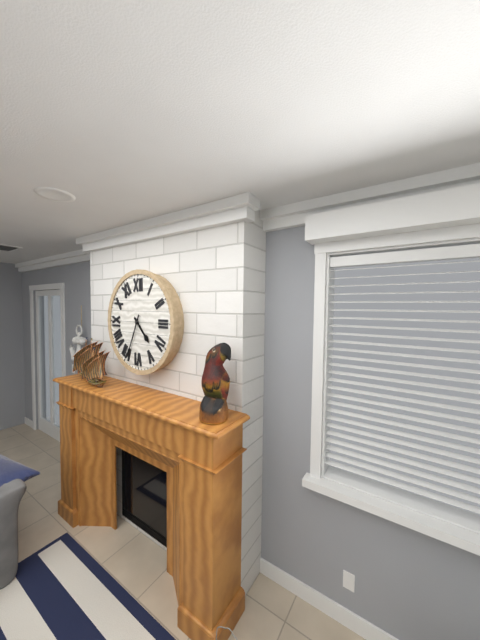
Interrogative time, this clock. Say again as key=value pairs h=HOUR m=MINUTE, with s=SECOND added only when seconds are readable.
h=4 m=34
